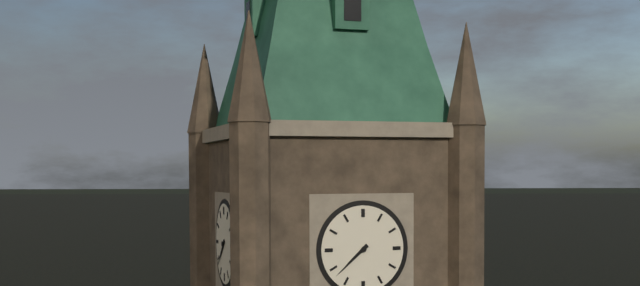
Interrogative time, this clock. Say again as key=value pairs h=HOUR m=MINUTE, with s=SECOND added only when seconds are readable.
h=7 m=38
